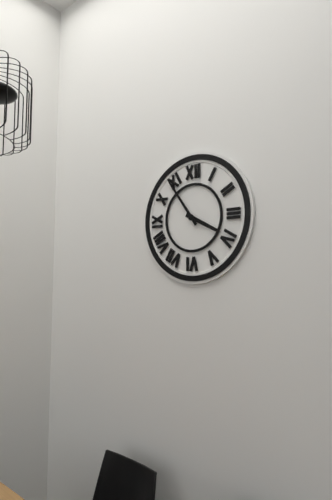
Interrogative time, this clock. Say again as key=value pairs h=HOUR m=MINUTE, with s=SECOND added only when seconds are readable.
h=3 m=54
